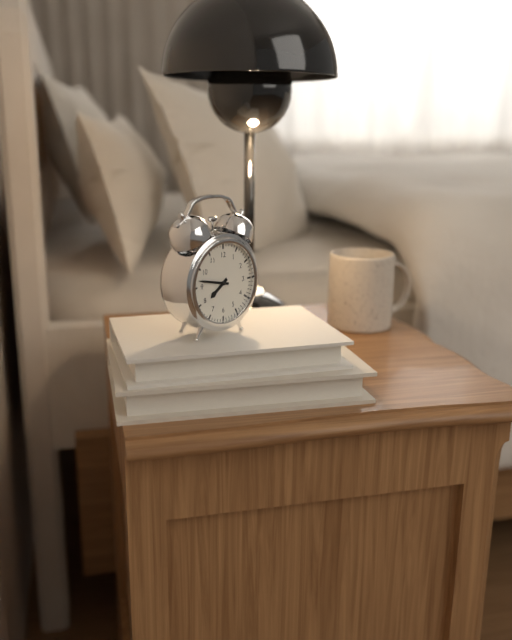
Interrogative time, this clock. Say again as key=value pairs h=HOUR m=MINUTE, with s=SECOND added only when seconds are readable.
h=7 m=47
